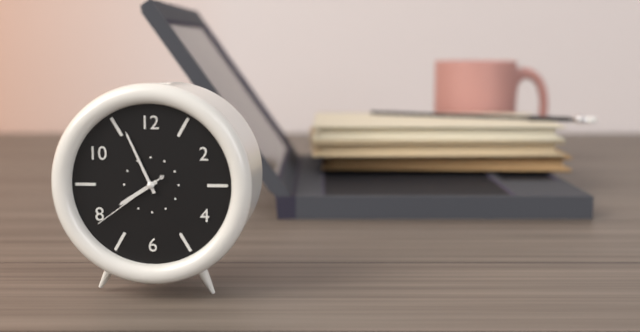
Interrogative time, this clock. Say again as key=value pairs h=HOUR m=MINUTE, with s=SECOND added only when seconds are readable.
h=7 m=56 s=39
